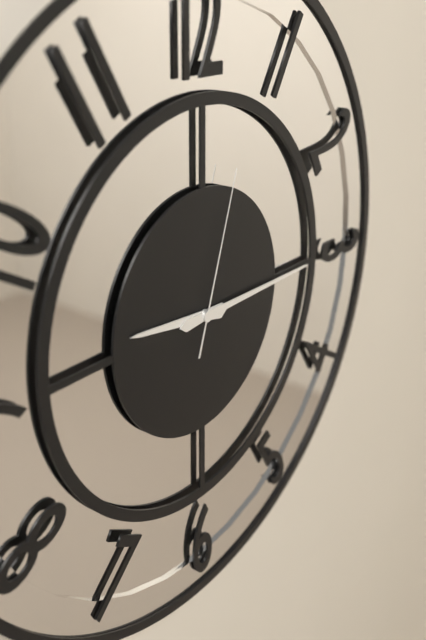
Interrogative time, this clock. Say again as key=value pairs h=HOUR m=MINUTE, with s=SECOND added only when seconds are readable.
h=9 m=15 s=3
